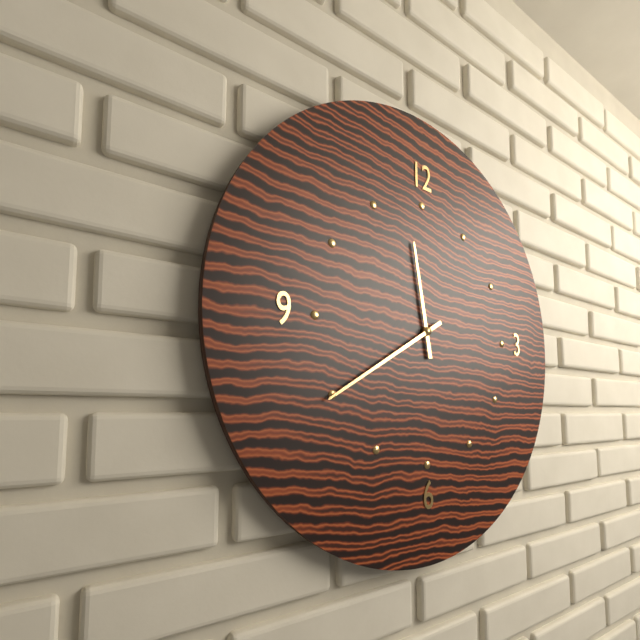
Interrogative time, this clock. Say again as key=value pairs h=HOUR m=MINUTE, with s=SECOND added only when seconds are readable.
h=11 m=40
